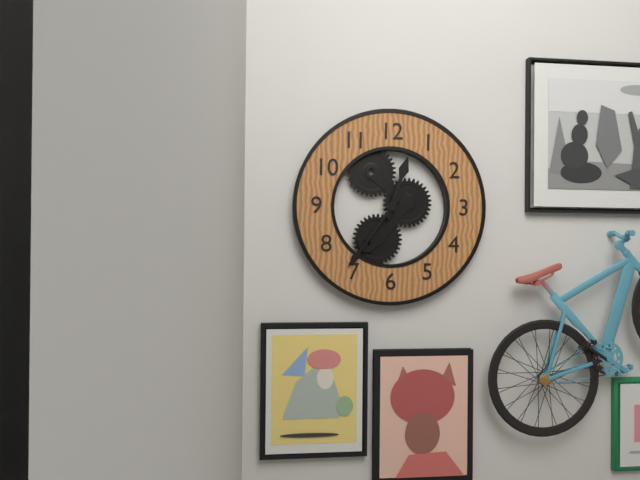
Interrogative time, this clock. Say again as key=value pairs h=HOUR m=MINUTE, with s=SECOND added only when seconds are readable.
h=12 m=36
